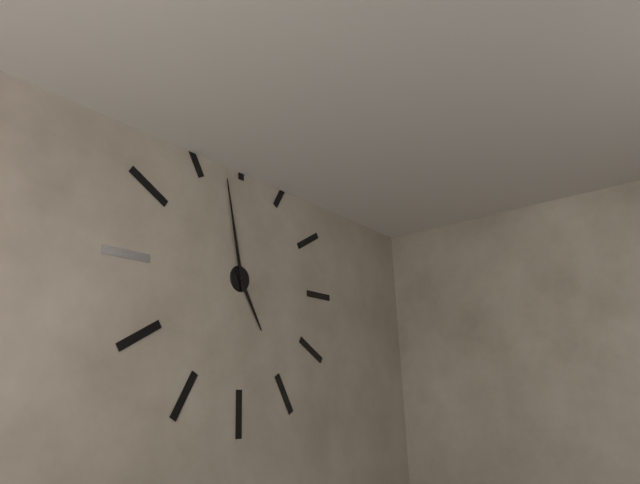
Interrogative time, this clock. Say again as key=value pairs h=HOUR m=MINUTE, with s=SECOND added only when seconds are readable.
h=4 m=58
